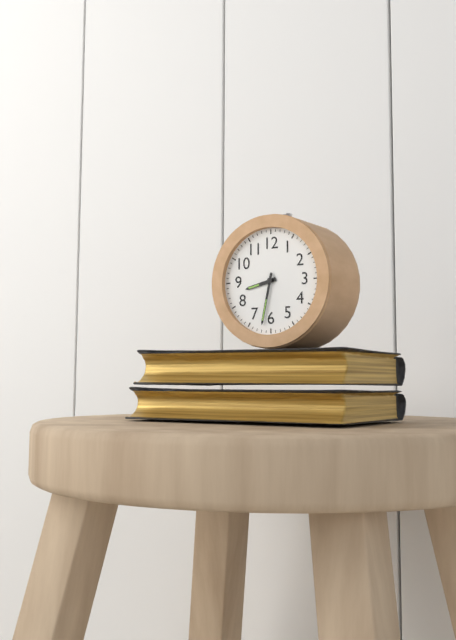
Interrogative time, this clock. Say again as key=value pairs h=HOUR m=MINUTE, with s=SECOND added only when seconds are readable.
h=8 m=32
